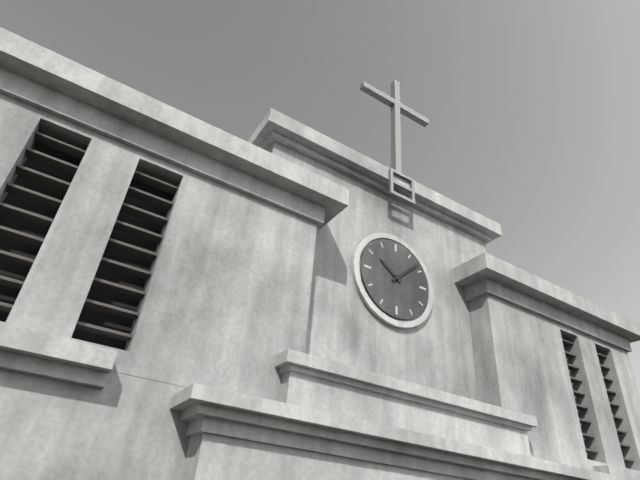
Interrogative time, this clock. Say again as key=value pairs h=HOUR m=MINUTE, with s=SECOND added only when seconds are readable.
h=10 m=8
